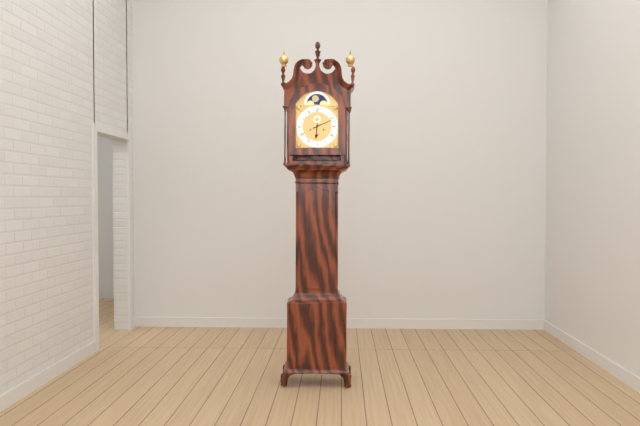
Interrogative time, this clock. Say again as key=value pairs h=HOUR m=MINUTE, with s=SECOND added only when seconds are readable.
h=6 m=11
